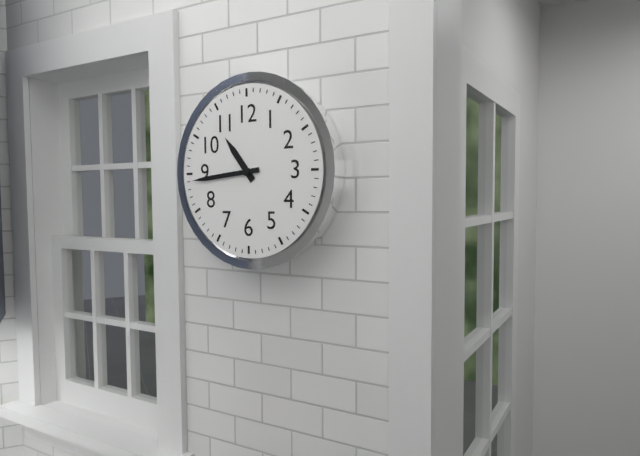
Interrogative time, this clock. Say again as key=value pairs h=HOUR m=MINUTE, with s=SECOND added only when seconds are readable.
h=10 m=44
